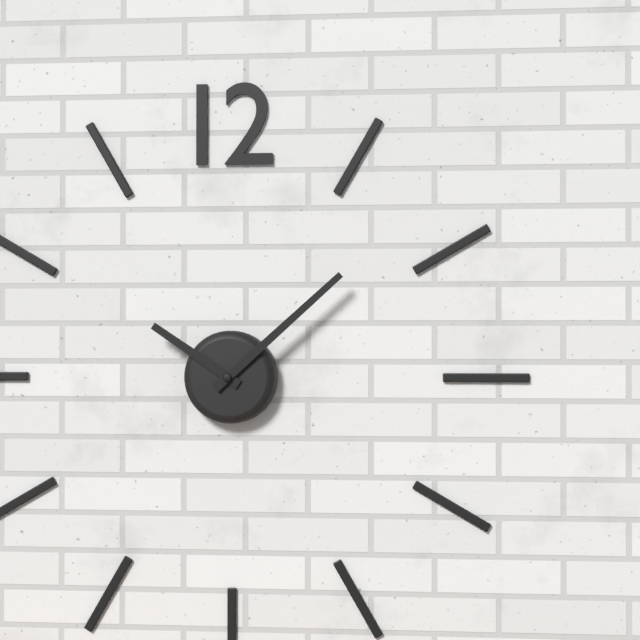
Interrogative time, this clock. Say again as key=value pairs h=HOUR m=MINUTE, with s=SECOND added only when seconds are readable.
h=10 m=8
